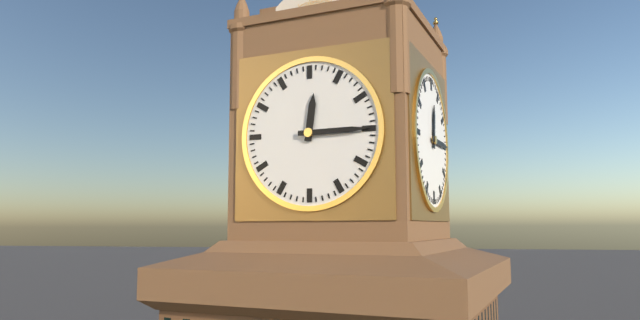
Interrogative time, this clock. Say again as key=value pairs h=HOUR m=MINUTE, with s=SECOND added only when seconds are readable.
h=12 m=15
